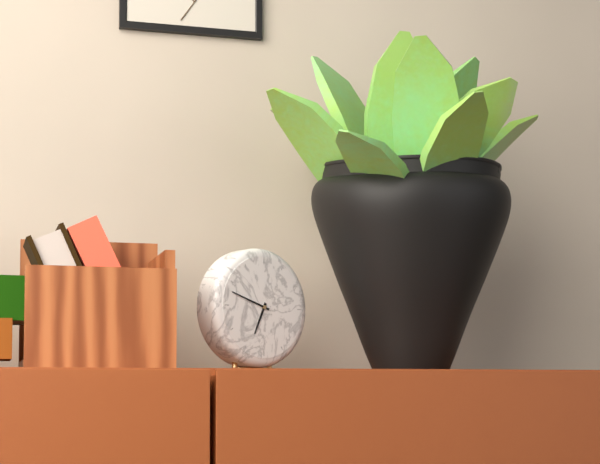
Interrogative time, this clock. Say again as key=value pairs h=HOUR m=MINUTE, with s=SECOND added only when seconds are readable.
h=6 m=48
